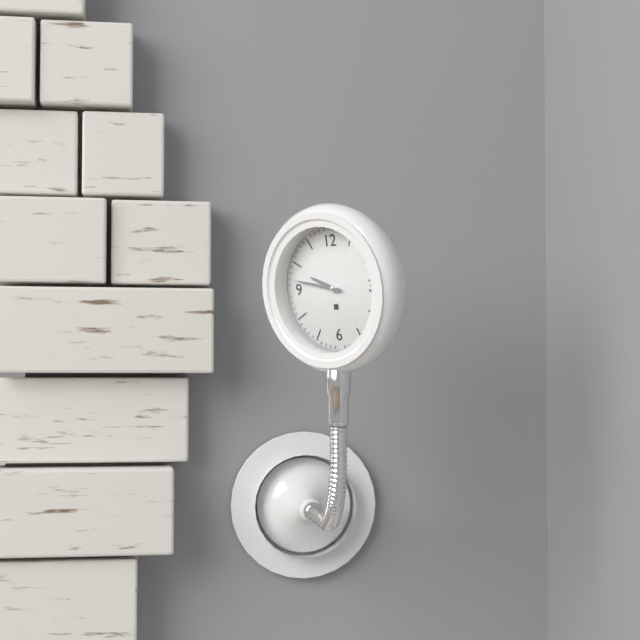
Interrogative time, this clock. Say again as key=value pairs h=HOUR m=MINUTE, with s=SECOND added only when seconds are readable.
h=9 m=47 s=47
